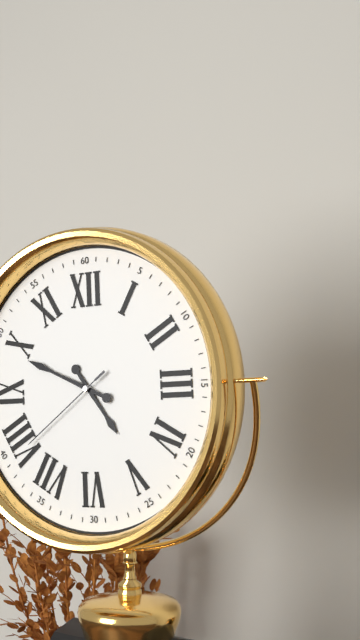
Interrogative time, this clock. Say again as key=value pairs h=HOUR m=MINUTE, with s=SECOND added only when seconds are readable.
h=4 m=49 s=39
